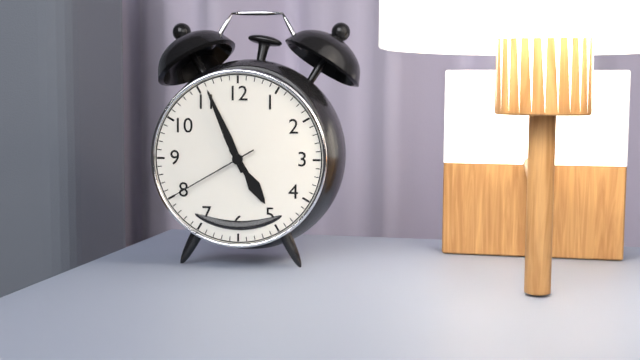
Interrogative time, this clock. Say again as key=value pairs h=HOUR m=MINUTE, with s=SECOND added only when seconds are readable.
h=4 m=56 s=40
